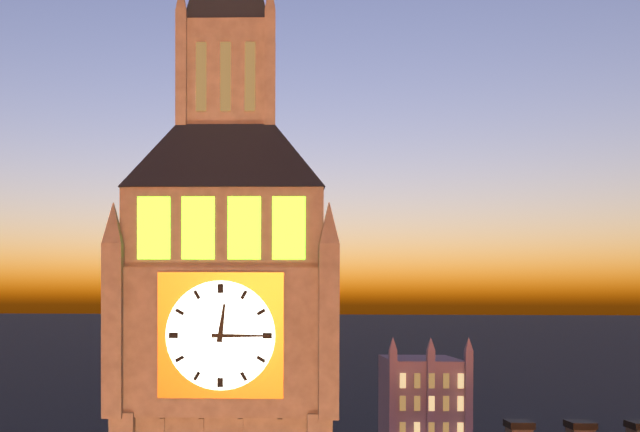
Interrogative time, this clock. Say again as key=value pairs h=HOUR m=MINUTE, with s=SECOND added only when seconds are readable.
h=12 m=15
